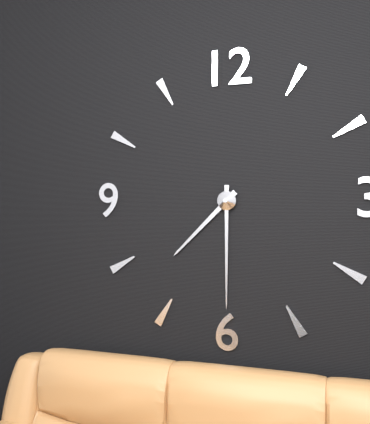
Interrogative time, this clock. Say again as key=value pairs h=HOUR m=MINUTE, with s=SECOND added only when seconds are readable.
h=7 m=30
